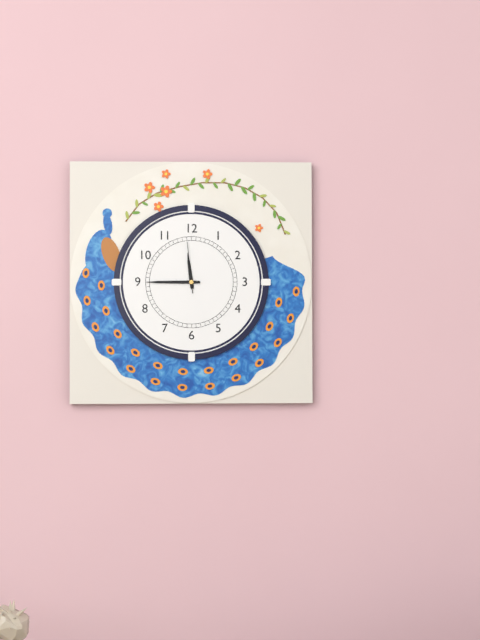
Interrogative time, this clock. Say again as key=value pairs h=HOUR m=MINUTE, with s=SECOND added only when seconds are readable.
h=11 m=45 s=59
